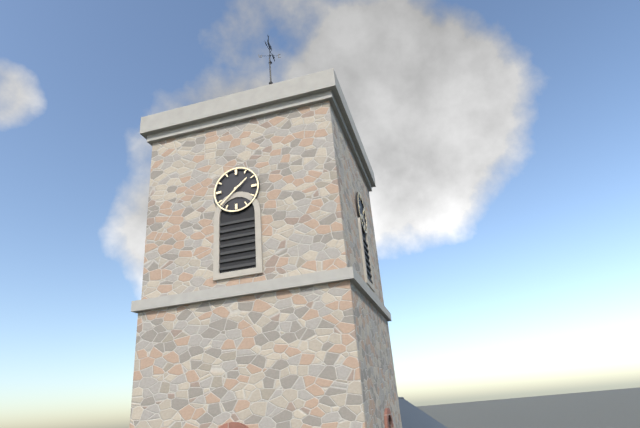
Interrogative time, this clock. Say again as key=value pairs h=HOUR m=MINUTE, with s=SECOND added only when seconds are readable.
h=1 m=38
